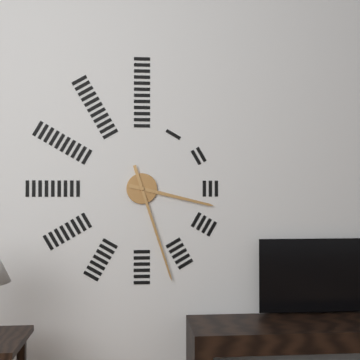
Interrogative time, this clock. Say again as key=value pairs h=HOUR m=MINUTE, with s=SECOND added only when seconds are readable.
h=3 m=27
